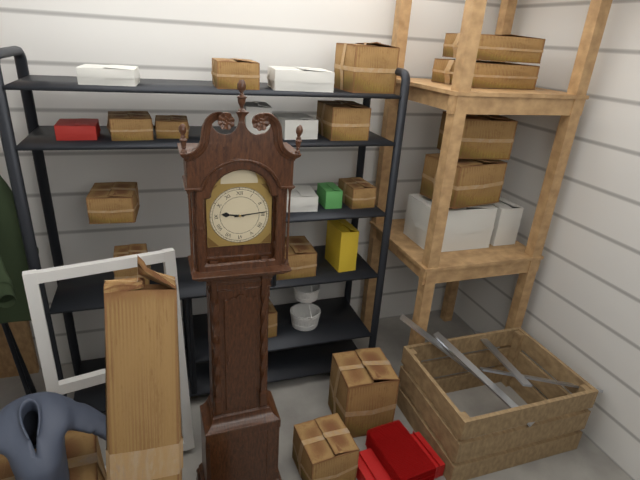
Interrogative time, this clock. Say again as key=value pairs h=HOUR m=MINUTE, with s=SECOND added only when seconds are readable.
h=9 m=14
